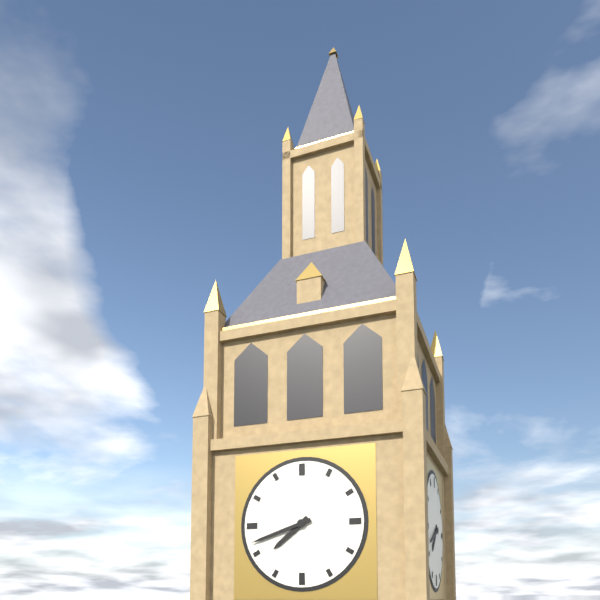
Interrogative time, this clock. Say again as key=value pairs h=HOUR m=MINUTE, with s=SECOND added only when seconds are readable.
h=7 m=42
